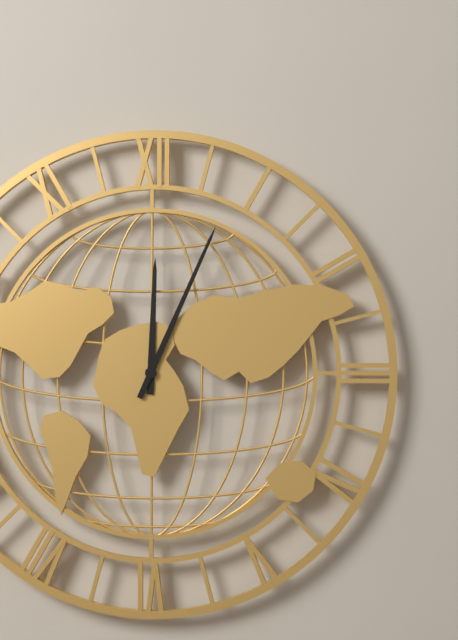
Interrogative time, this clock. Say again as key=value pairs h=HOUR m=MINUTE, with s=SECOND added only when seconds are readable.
h=12 m=4
